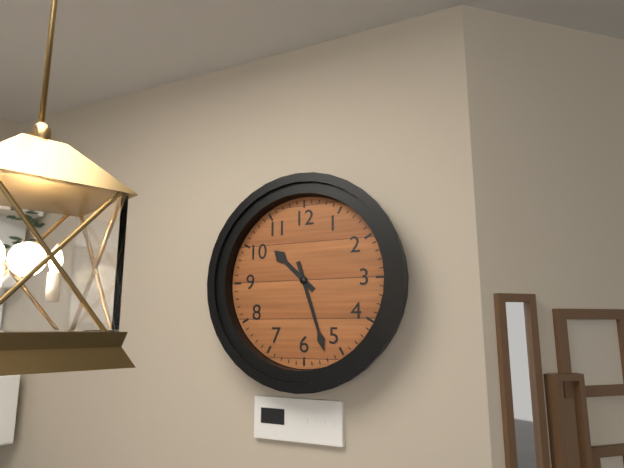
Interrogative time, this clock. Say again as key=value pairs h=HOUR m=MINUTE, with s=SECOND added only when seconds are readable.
h=10 m=27
